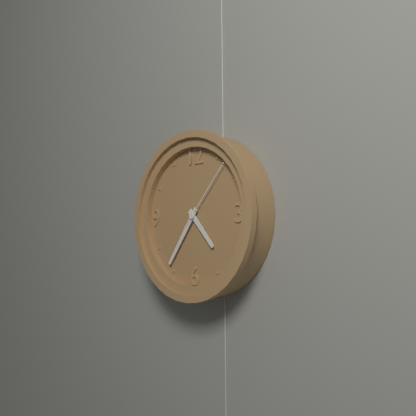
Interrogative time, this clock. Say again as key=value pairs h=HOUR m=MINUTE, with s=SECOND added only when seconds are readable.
h=4 m=36 s=7
